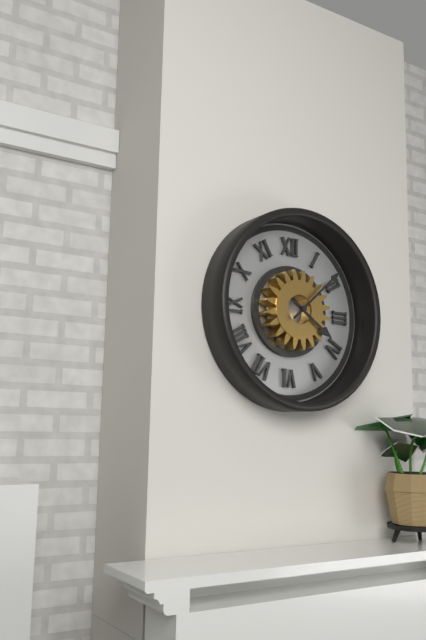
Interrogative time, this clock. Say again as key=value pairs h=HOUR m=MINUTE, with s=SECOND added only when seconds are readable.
h=4 m=8
